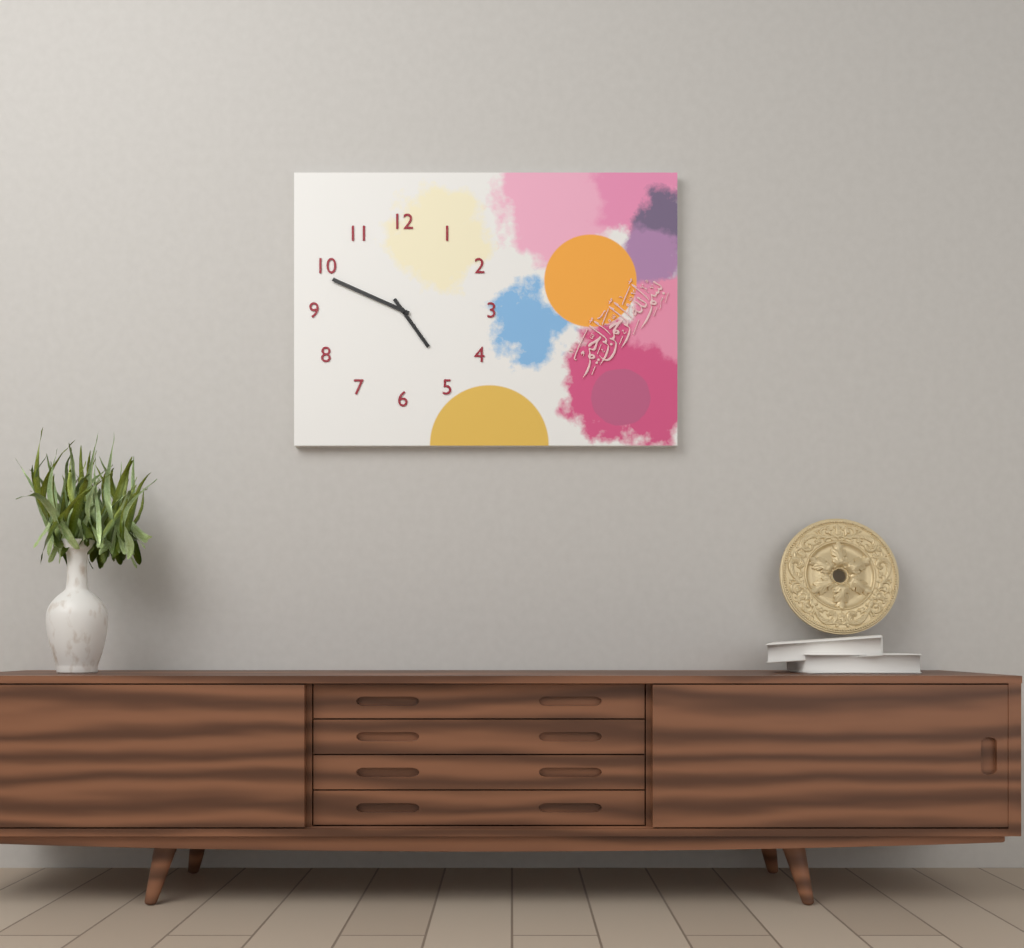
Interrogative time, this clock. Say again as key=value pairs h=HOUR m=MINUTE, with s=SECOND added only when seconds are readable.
h=4 m=49
